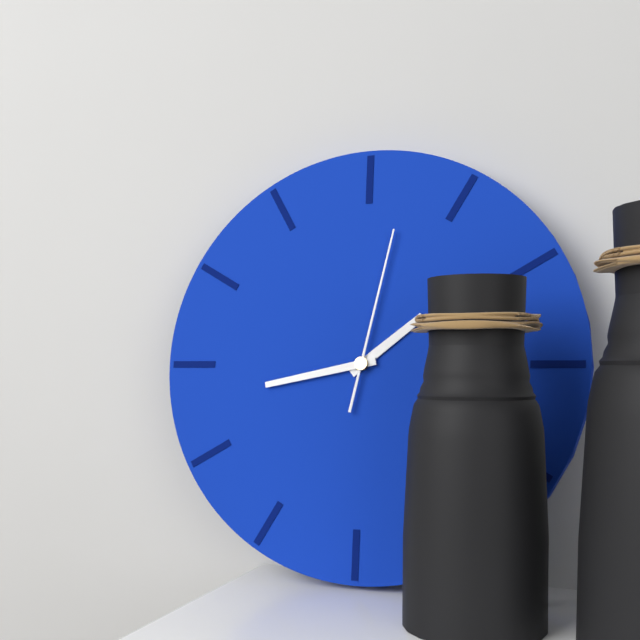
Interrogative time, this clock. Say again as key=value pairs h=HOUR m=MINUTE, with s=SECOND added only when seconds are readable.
h=1 m=43 s=2
